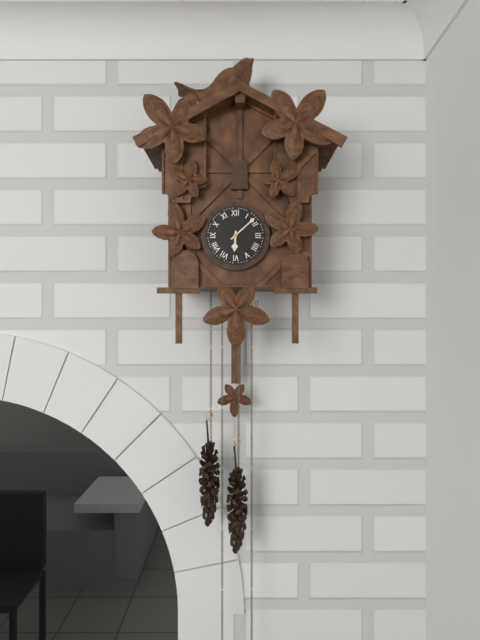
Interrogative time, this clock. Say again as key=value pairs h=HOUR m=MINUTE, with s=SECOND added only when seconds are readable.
h=6 m=8
